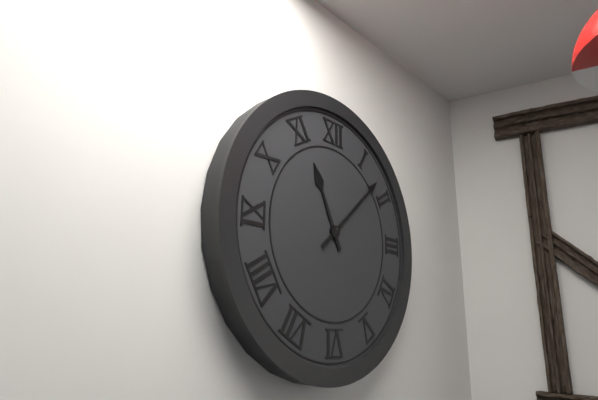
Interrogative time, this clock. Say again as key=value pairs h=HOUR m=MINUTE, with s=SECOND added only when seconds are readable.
h=11 m=8
